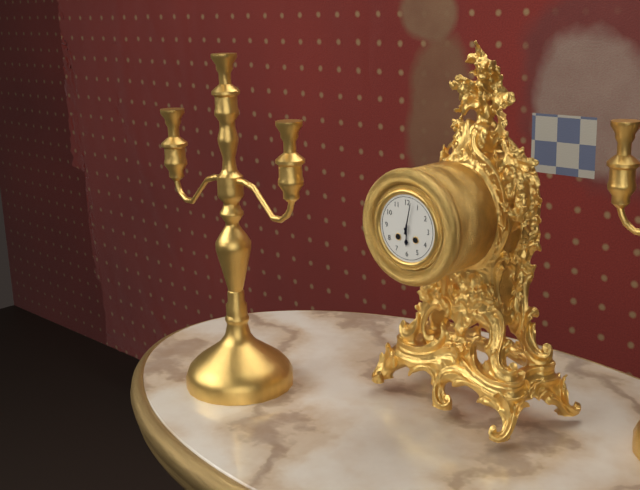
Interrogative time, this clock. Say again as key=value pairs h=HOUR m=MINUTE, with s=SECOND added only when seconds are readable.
h=6 m=2
